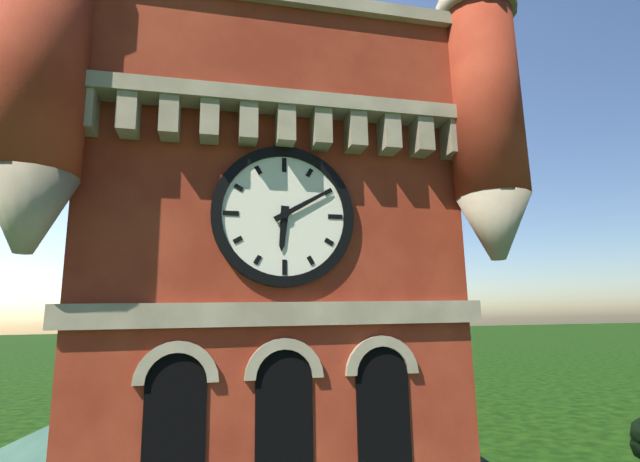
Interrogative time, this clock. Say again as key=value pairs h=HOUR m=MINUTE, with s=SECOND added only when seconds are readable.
h=6 m=10
